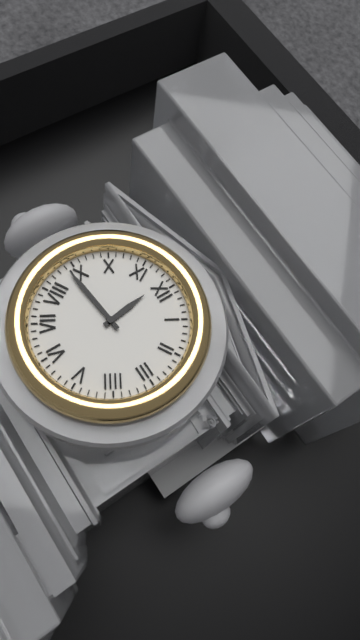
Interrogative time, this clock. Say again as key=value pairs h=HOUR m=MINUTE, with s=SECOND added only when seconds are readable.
h=11 m=44
